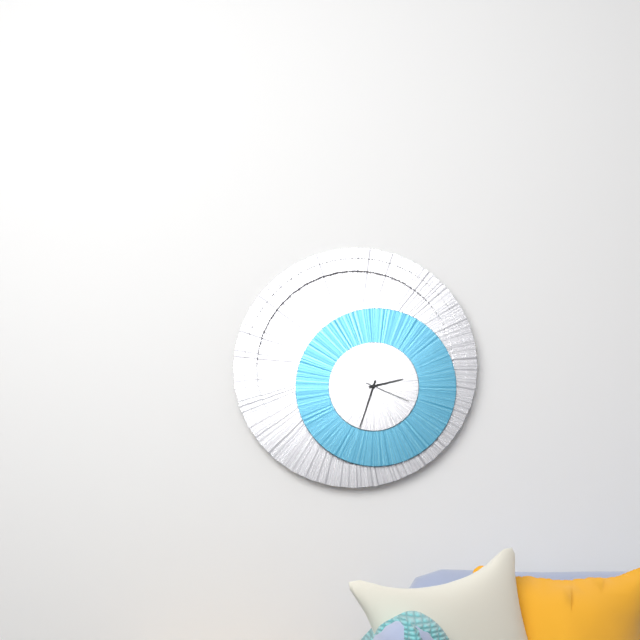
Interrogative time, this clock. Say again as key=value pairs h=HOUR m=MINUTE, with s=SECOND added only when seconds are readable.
h=2 m=33
